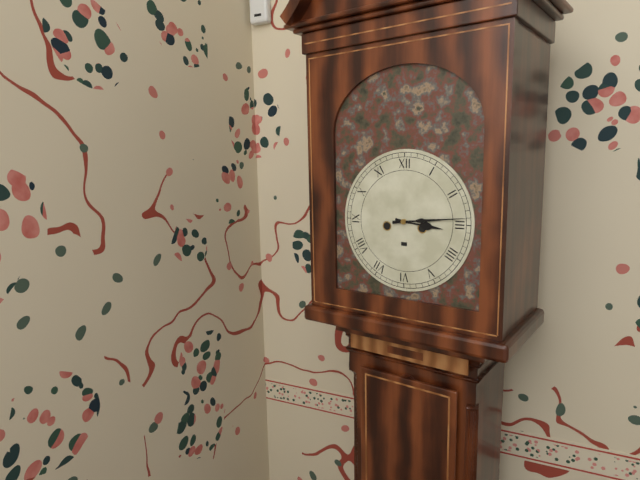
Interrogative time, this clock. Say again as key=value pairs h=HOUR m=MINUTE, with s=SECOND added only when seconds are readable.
h=3 m=14
